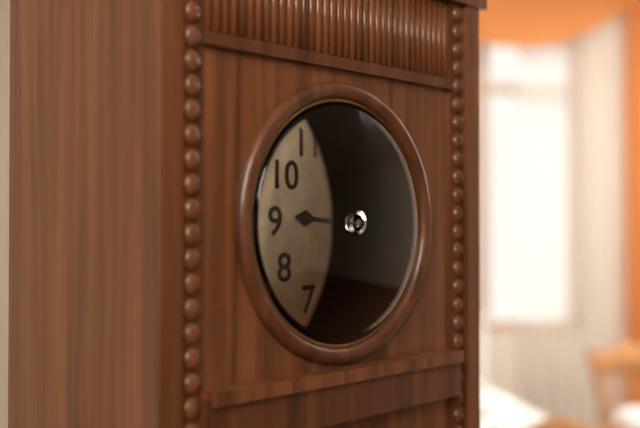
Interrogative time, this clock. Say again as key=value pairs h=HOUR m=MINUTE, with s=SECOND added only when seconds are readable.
h=9 m=10
